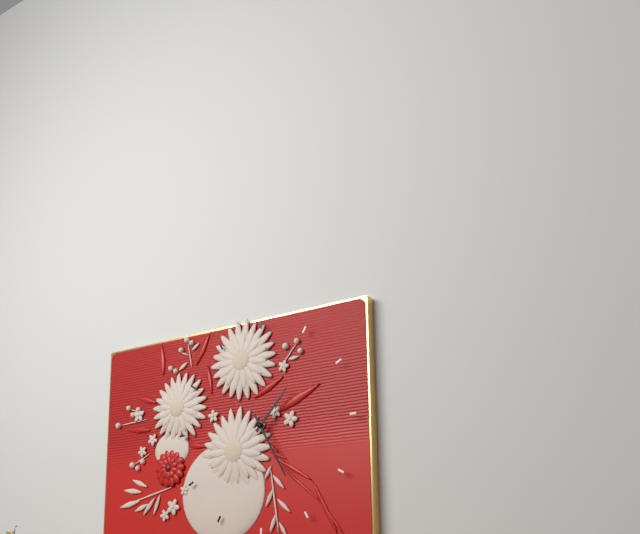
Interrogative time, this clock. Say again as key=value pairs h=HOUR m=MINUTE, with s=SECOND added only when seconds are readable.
h=1 m=25
